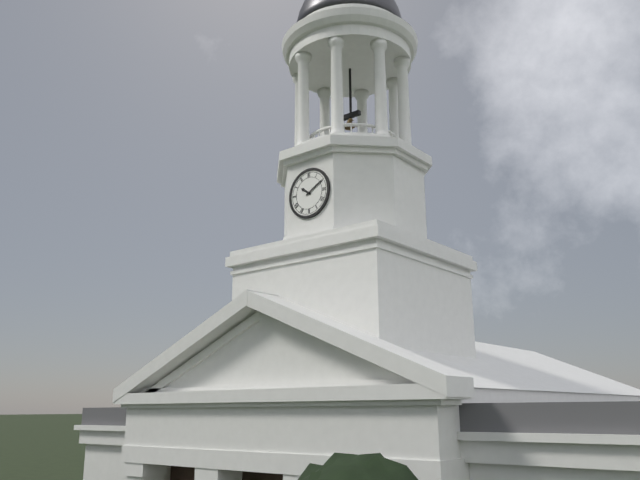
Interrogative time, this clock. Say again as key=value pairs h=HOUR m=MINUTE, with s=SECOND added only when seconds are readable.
h=10 m=10
